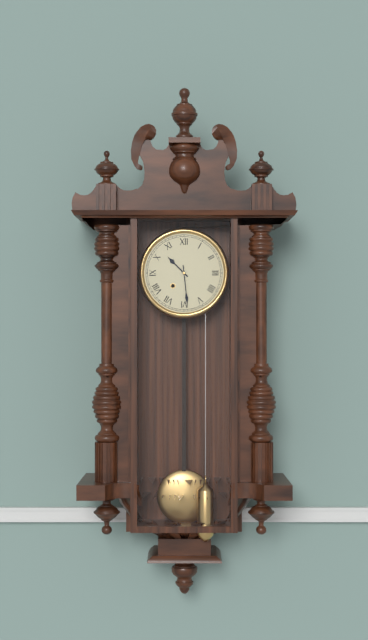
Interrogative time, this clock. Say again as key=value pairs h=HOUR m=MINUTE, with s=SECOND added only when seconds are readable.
h=10 m=29
